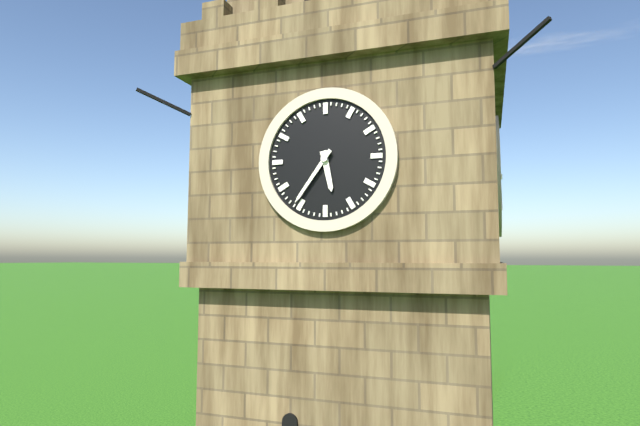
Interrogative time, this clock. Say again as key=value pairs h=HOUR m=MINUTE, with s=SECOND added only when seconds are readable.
h=5 m=36
